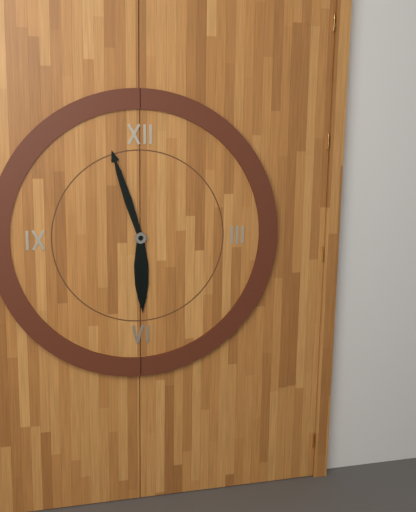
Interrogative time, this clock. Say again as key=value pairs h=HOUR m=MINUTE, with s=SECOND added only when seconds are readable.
h=5 m=57
